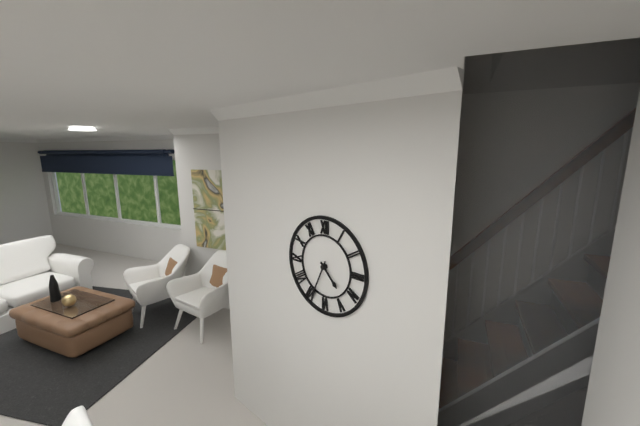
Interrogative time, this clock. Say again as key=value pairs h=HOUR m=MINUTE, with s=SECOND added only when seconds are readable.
h=4 m=34
